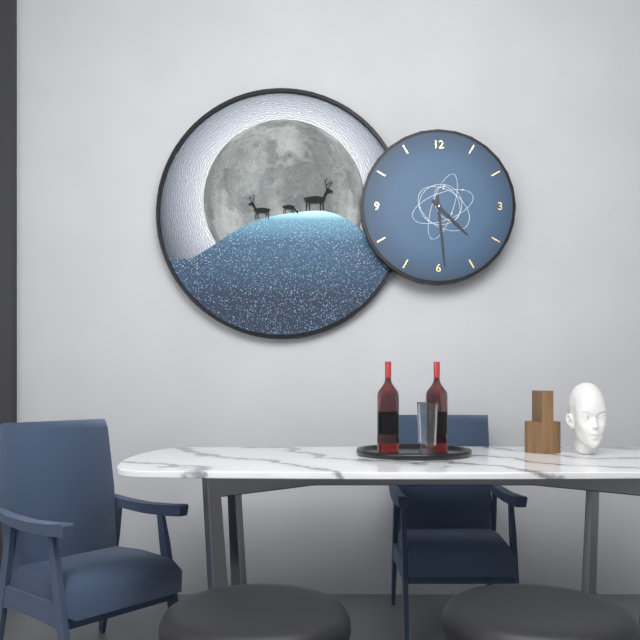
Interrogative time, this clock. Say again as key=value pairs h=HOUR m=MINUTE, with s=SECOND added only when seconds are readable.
h=4 m=29
